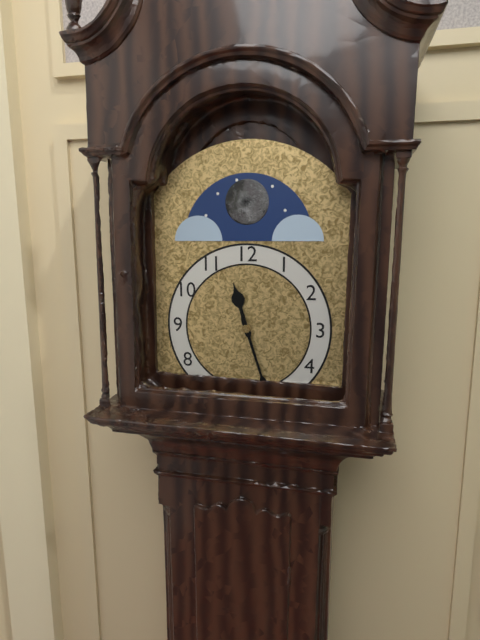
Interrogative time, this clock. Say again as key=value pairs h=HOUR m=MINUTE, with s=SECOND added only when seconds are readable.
h=11 m=27
